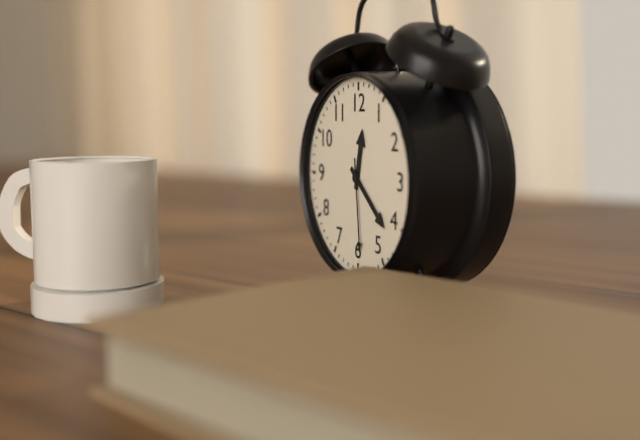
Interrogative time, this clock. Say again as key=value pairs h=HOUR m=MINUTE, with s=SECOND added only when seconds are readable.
h=12 m=22 s=29
